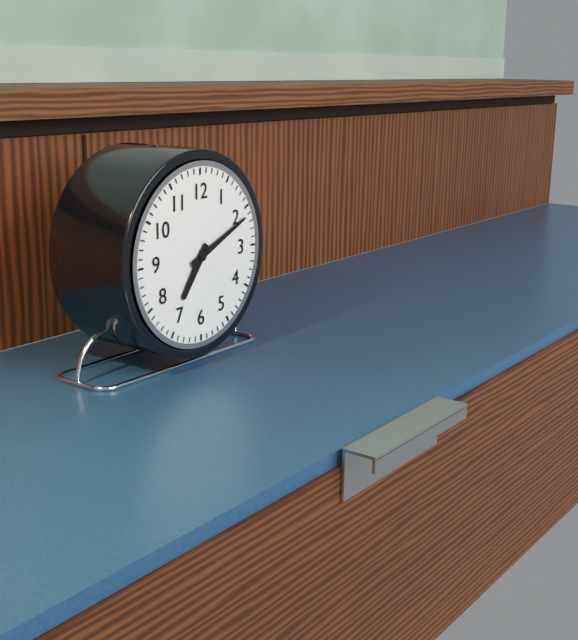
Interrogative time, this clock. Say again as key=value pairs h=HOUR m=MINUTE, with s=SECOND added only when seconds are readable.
h=7 m=11
